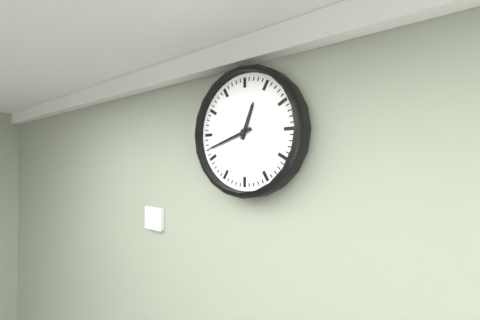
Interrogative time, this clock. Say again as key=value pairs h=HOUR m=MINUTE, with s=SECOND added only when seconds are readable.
h=12 m=42
